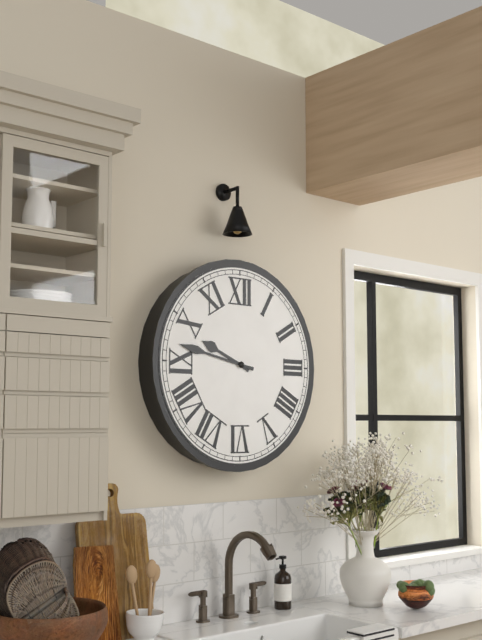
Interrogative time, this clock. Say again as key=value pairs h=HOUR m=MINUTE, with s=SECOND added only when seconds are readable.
h=9 m=47
